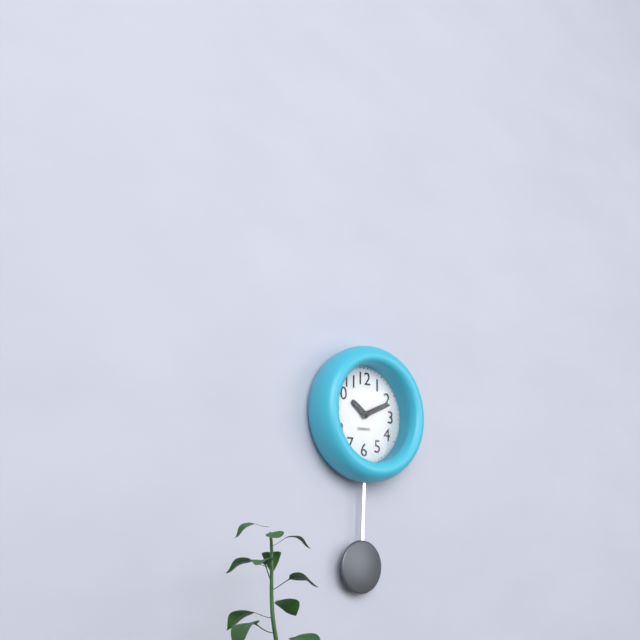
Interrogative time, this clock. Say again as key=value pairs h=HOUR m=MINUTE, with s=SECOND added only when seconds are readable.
h=10 m=11
